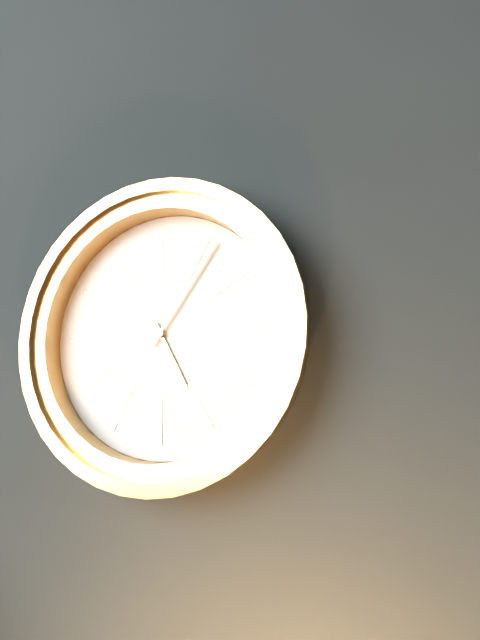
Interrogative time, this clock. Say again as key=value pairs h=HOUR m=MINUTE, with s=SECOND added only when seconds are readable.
h=5 m=6
